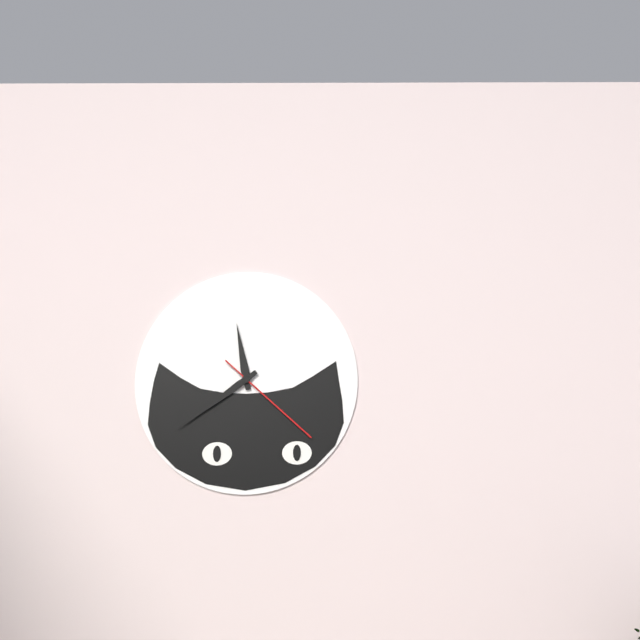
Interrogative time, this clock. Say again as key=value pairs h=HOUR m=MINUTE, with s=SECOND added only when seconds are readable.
h=11 m=39 s=22
